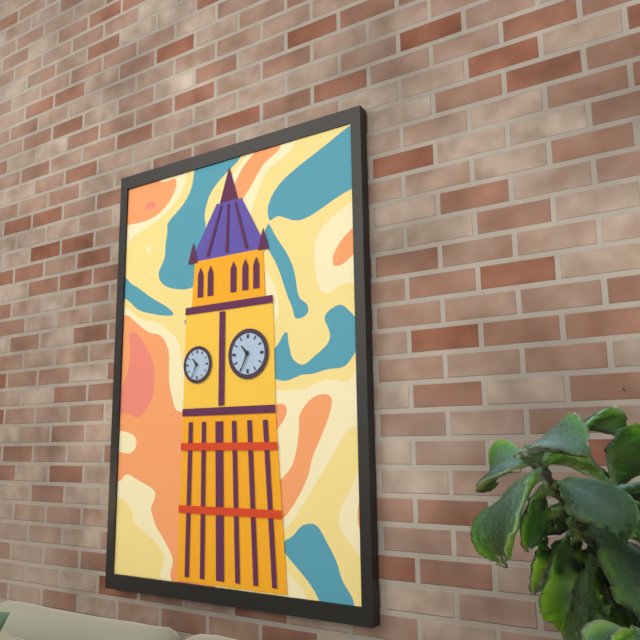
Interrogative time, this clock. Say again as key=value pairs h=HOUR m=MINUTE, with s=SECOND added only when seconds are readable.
h=10 m=34
